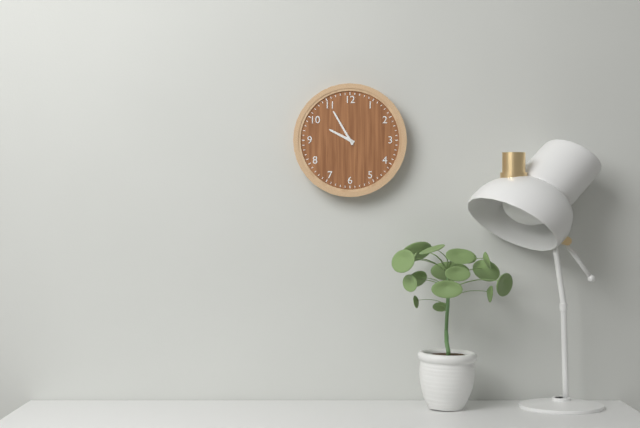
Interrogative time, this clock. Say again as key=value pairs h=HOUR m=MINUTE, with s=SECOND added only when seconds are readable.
h=9 m=55
